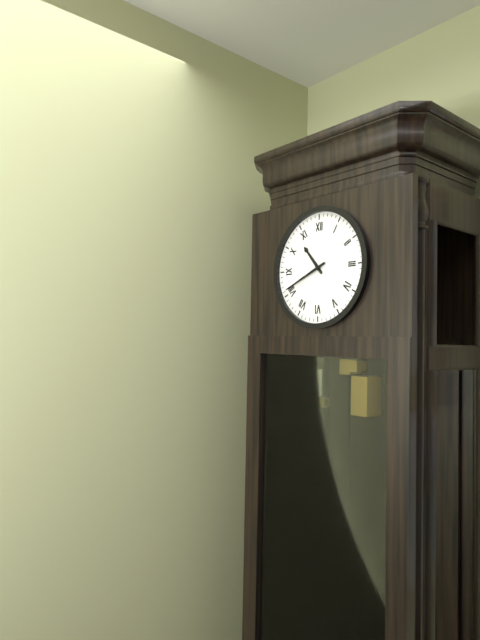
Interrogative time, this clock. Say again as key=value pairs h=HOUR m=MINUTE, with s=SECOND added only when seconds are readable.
h=10 m=41
